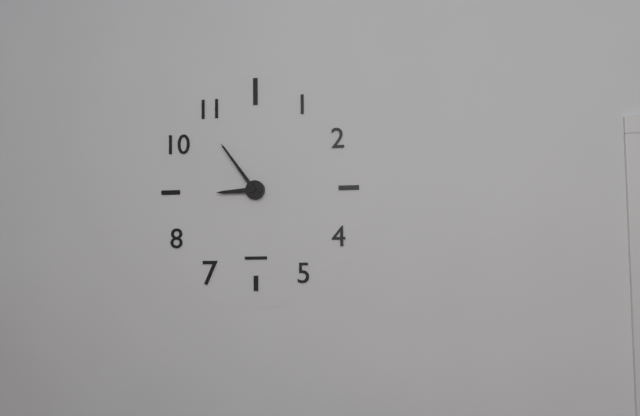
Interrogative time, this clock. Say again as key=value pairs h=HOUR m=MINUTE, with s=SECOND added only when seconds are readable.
h=8 m=54
